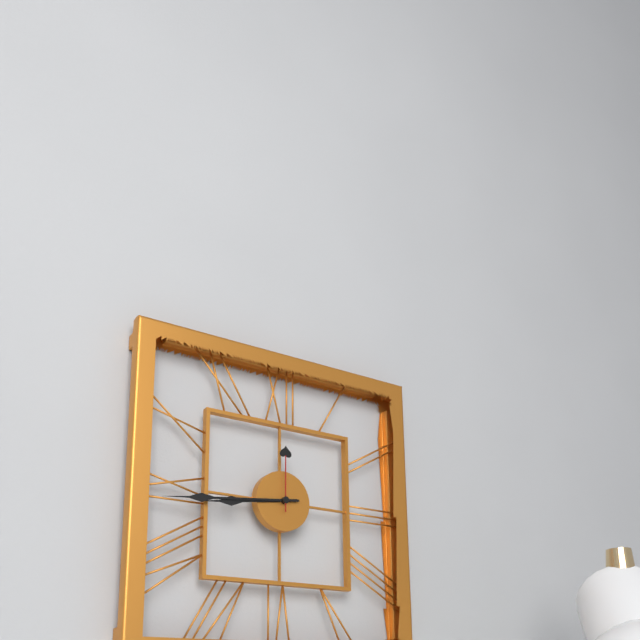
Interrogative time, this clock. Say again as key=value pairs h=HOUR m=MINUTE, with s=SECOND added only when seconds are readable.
h=8 m=44 s=0
